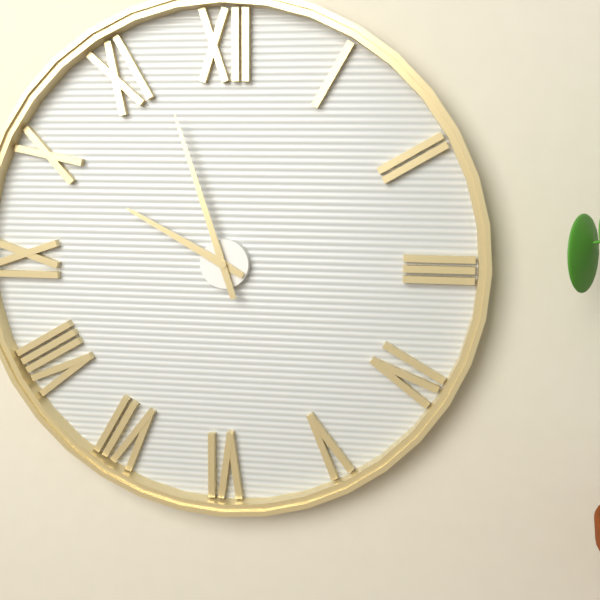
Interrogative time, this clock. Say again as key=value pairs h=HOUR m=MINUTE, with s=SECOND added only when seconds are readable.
h=9 m=57
